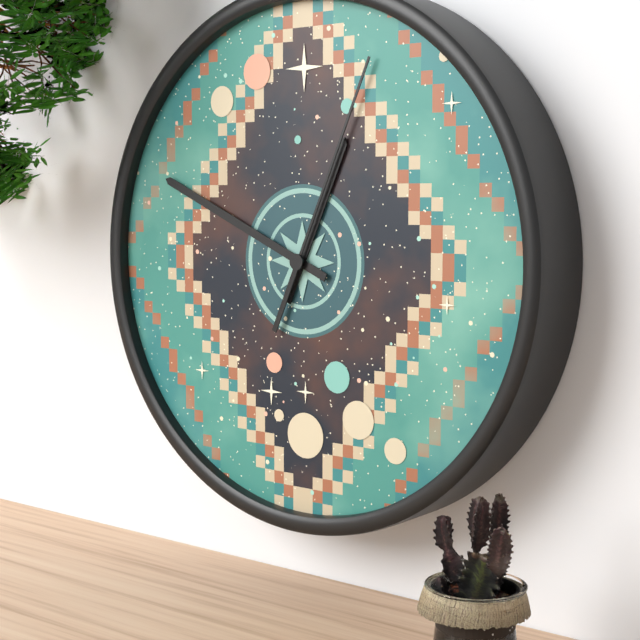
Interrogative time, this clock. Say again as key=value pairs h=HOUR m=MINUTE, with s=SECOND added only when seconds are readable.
h=12 m=49 s=4
